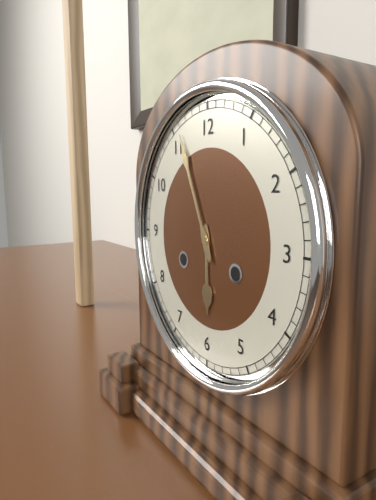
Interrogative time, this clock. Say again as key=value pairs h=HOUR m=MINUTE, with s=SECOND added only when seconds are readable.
h=5 m=56
